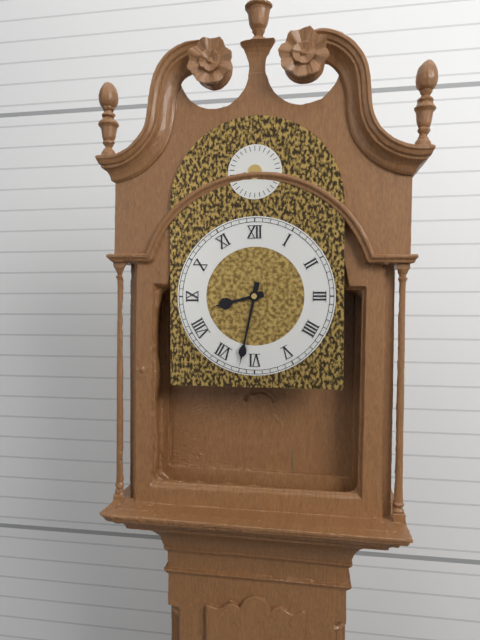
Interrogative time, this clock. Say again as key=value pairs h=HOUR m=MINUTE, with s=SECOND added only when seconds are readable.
h=8 m=32
